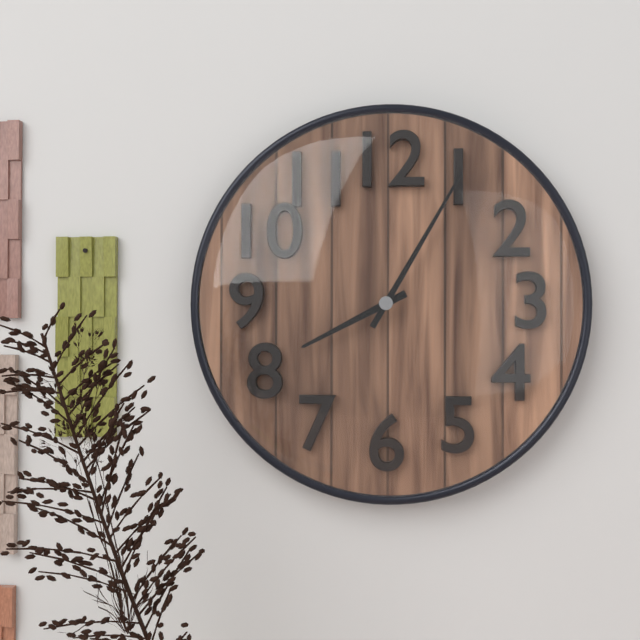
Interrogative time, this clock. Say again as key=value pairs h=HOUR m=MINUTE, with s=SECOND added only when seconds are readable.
h=8 m=5
